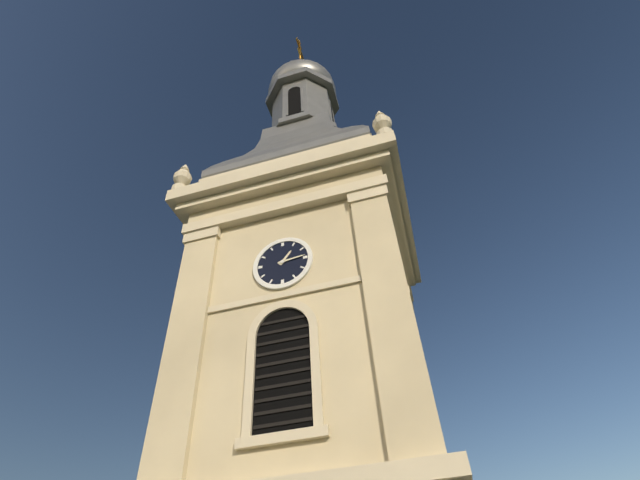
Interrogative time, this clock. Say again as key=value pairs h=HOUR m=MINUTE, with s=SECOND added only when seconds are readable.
h=1 m=14
